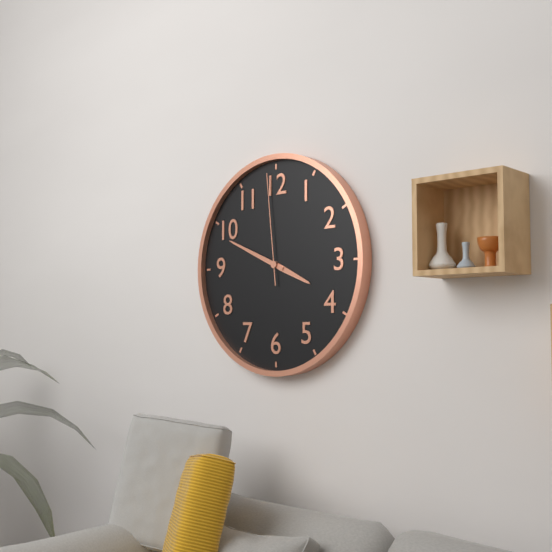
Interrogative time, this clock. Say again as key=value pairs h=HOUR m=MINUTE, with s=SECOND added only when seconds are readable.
h=3 m=49 s=59
